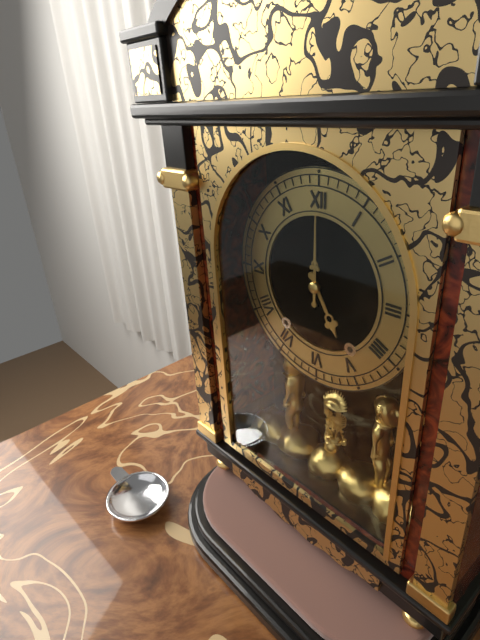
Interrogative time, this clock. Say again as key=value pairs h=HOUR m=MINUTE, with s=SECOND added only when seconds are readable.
h=5 m=0
